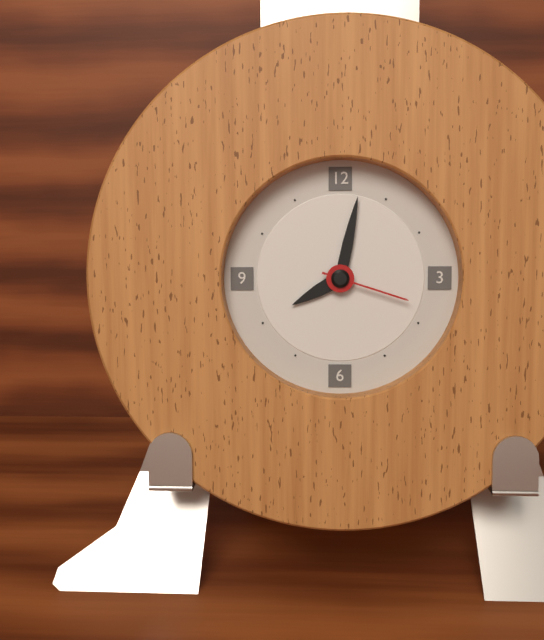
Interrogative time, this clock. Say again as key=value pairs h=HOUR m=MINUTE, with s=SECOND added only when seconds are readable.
h=8 m=2 s=18
